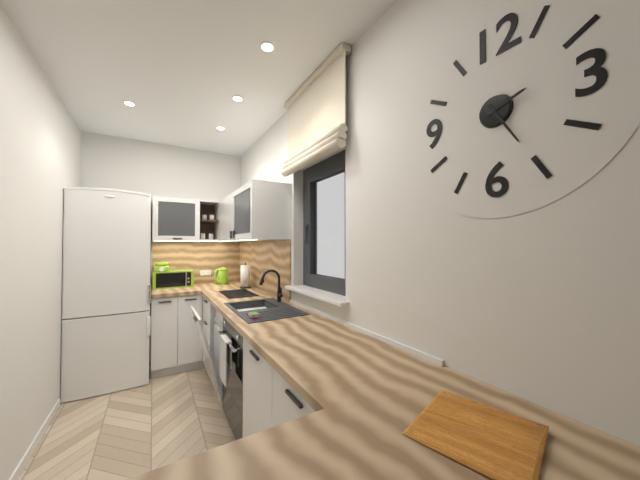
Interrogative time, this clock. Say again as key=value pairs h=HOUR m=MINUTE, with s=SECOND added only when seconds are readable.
h=2 m=25
